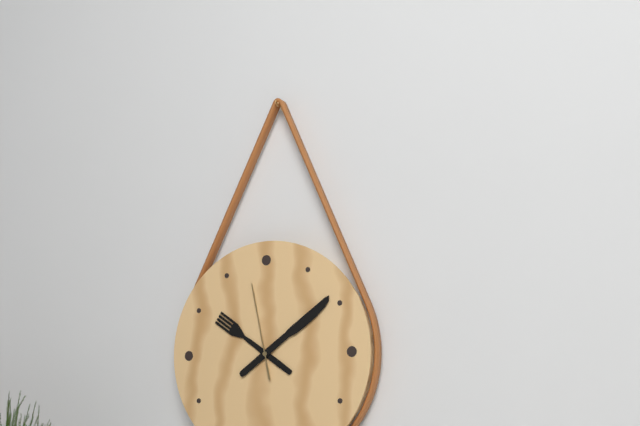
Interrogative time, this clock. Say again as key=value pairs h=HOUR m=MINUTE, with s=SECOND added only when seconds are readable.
h=10 m=9 s=58
